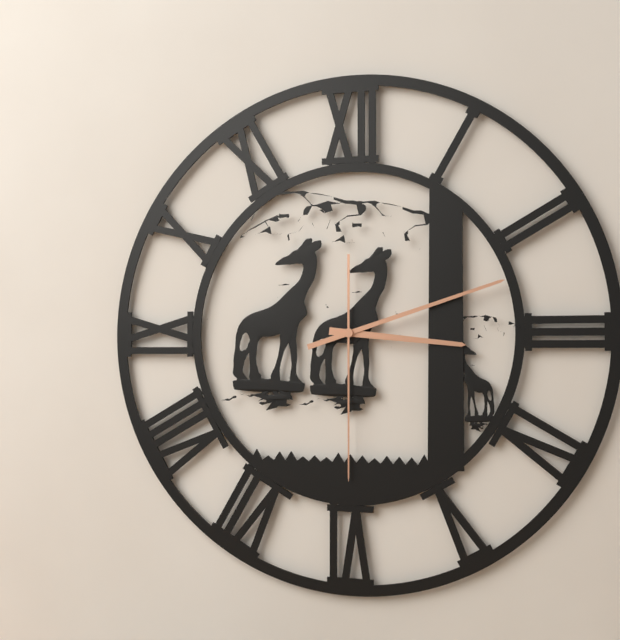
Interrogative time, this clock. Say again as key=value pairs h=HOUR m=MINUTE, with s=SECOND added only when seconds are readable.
h=3 m=12 s=30
